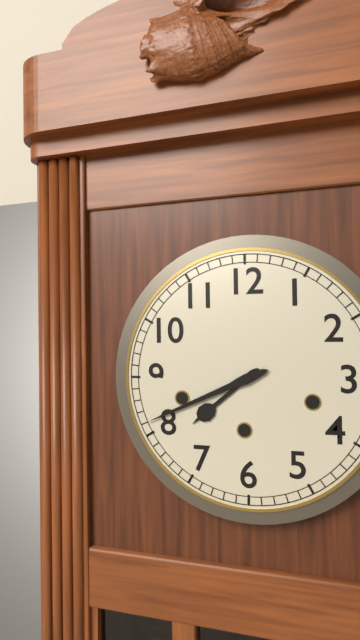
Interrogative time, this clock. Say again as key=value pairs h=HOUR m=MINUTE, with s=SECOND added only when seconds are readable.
h=7 m=41
